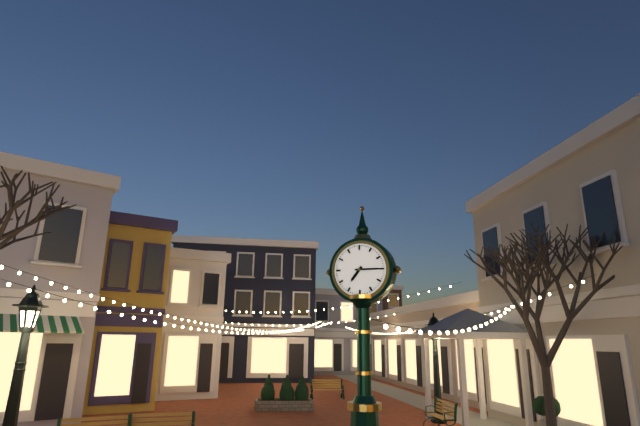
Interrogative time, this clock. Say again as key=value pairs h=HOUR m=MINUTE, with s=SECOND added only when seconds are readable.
h=7 m=15
